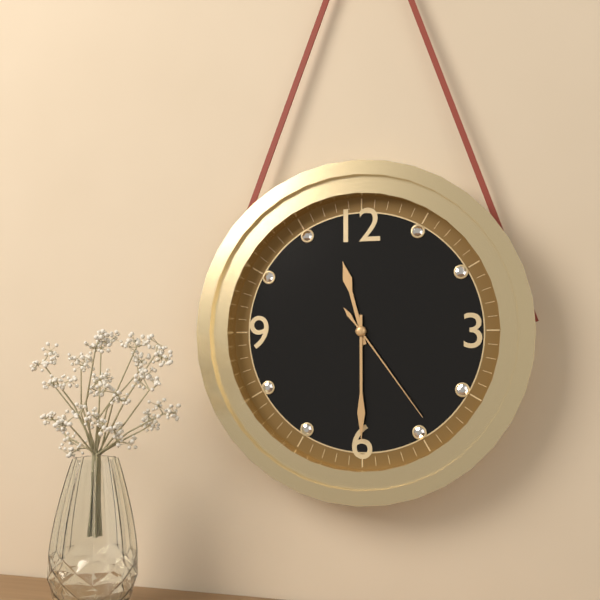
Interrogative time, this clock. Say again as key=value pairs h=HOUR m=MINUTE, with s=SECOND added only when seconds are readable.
h=11 m=30 s=24
